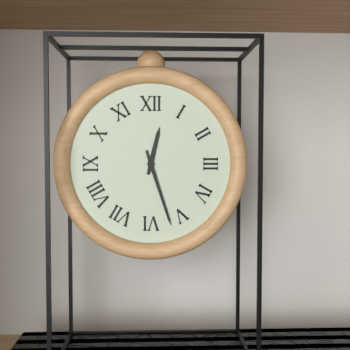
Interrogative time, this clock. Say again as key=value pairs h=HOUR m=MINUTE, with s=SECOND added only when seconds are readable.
h=12 m=27
